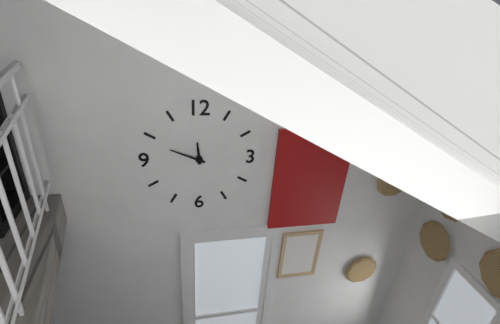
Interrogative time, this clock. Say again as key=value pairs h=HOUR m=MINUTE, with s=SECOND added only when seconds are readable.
h=11 m=49
